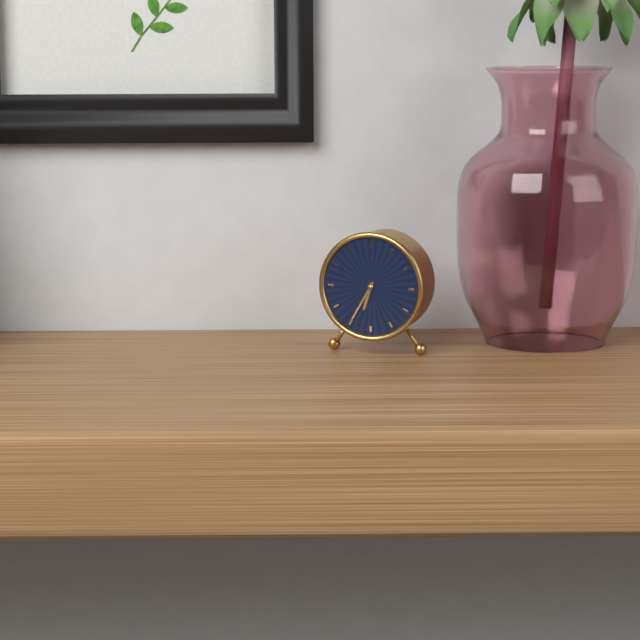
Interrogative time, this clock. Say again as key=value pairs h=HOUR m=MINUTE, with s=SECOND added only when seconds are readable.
h=6 m=35
